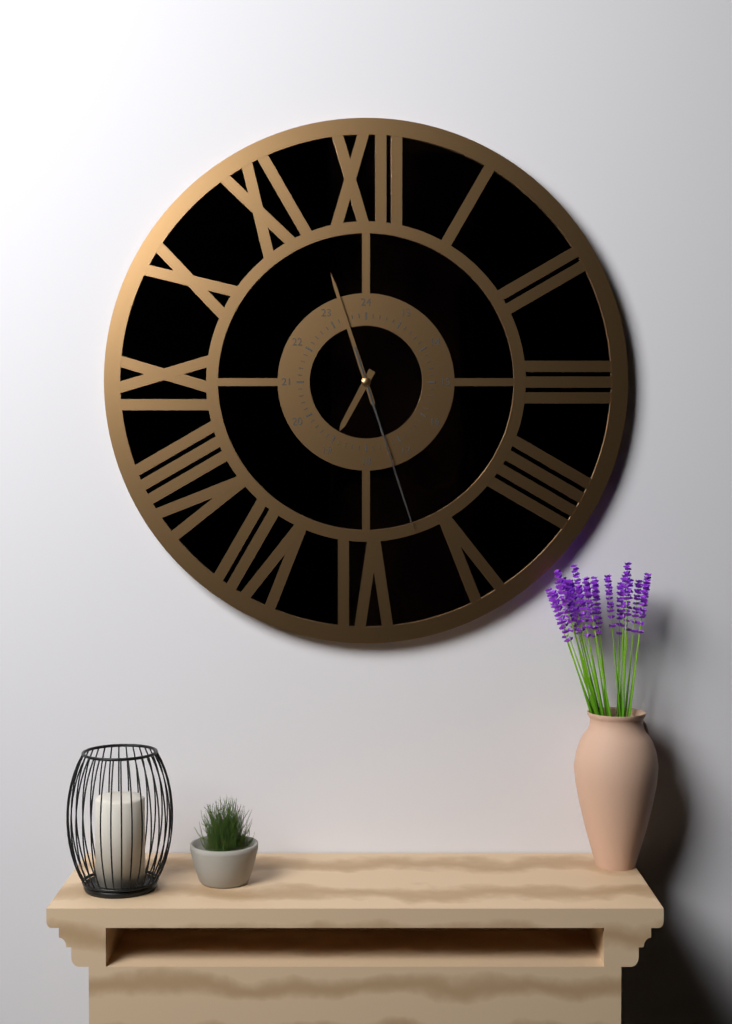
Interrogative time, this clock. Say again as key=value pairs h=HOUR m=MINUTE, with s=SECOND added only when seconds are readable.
h=6 m=57 s=27
